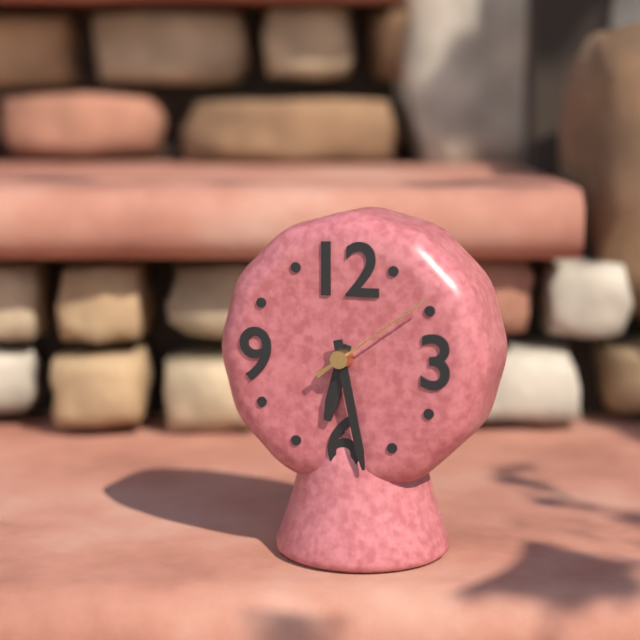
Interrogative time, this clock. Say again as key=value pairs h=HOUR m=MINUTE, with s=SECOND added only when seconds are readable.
h=6 m=28 s=9
